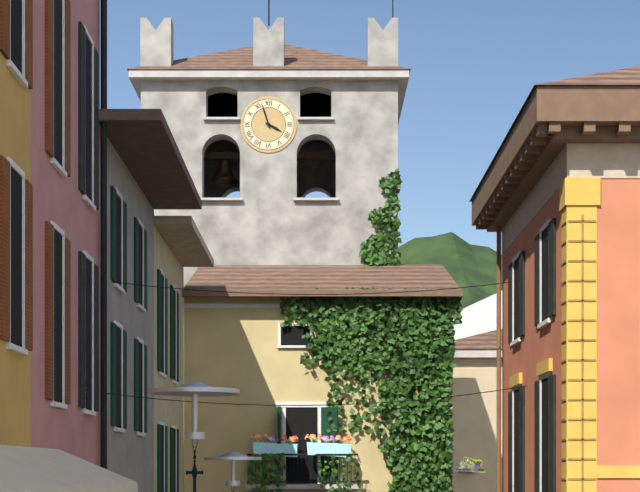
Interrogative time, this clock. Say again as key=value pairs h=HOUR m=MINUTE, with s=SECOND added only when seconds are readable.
h=3 m=57
